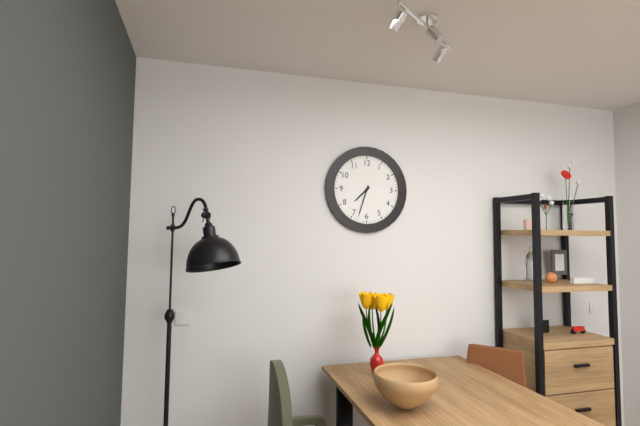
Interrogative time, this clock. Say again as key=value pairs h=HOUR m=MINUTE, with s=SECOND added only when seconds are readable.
h=7 m=33
